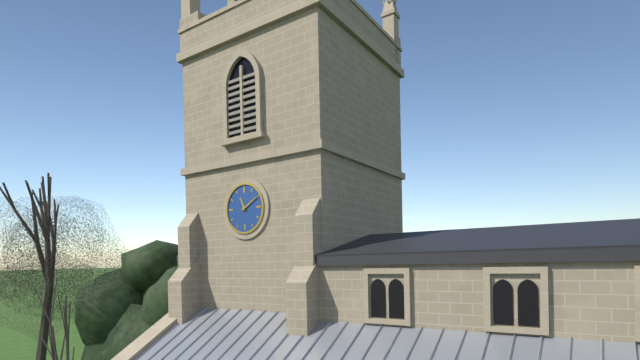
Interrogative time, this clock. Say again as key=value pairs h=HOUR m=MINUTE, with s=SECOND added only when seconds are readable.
h=11 m=10
